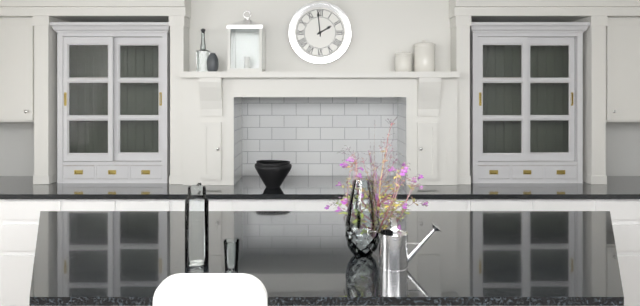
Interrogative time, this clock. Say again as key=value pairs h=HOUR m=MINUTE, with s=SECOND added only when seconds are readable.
h=1 m=59
